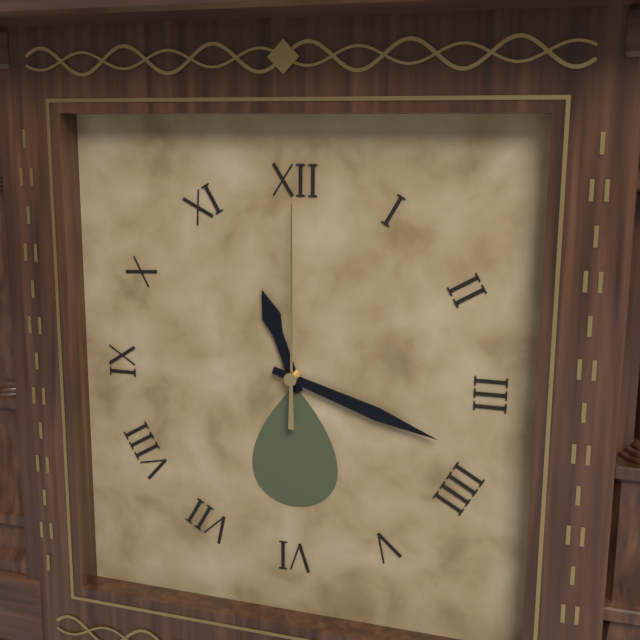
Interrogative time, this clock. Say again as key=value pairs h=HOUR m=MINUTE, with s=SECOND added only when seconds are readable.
h=11 m=18 s=0
